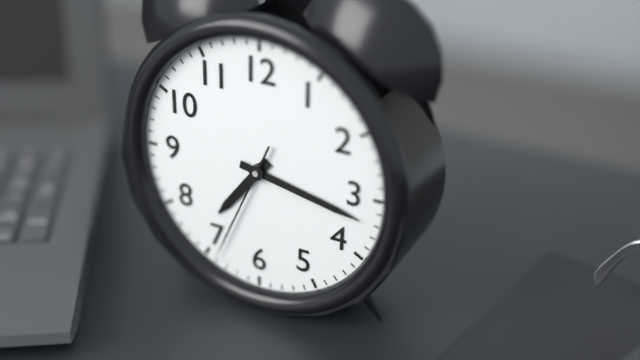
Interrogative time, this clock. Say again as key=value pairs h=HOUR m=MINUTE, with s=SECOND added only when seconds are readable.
h=7 m=17 s=34
